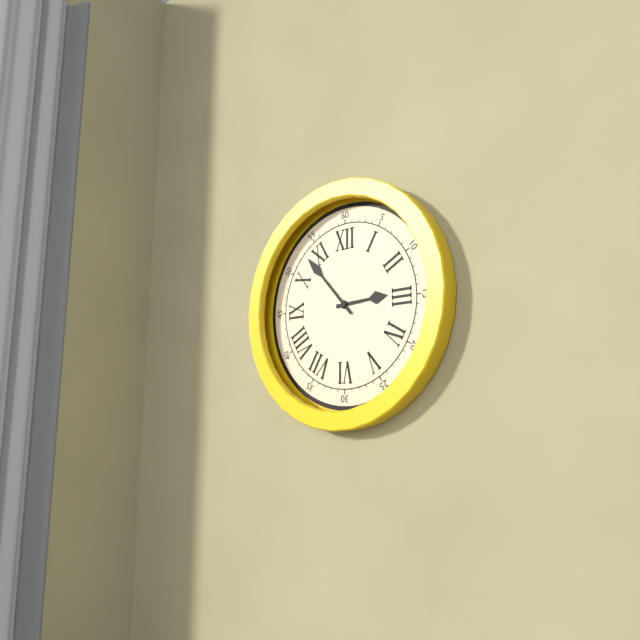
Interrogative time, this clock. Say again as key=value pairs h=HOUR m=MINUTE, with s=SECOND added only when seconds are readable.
h=2 m=53
